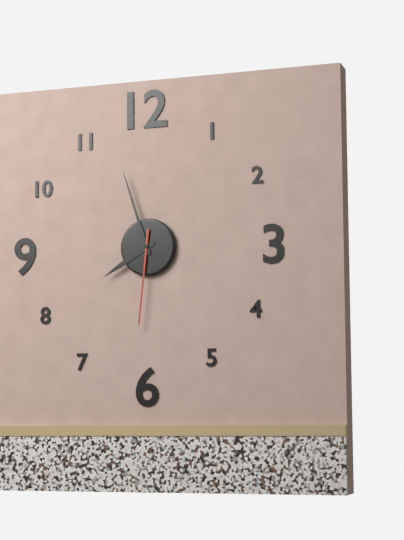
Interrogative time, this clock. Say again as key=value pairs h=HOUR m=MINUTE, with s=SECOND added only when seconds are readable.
h=7 m=57 s=31
